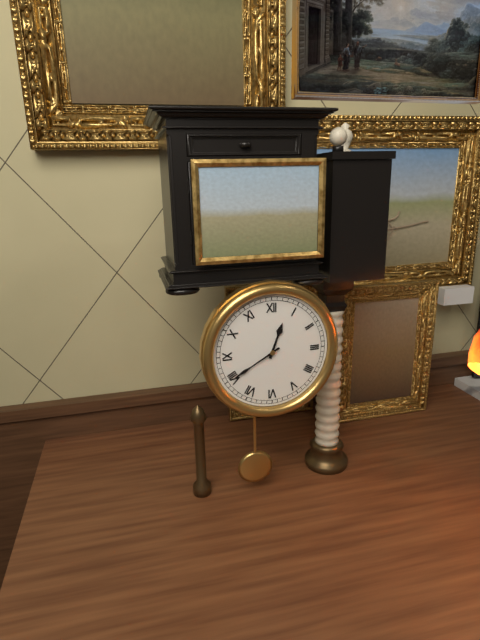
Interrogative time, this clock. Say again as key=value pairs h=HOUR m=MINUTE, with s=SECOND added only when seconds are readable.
h=12 m=40
